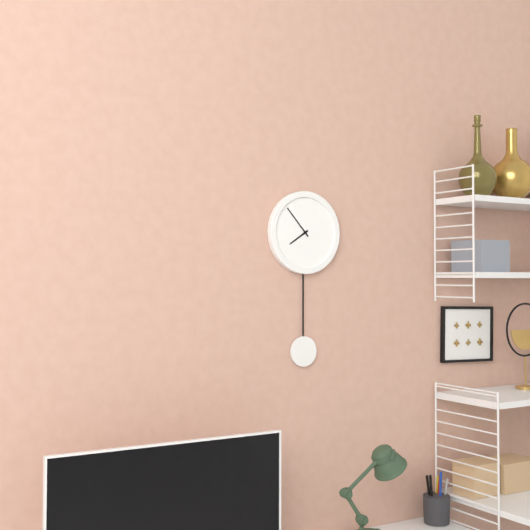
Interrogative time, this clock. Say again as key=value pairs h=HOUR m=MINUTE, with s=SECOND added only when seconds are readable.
h=7 m=53
